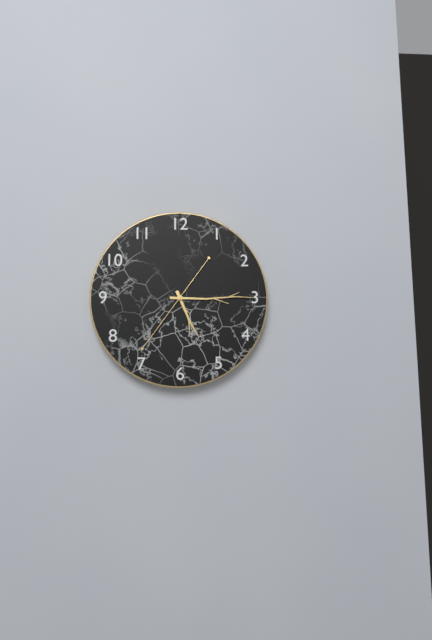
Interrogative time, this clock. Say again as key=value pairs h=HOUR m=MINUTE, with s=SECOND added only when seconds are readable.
h=5 m=15 s=36
